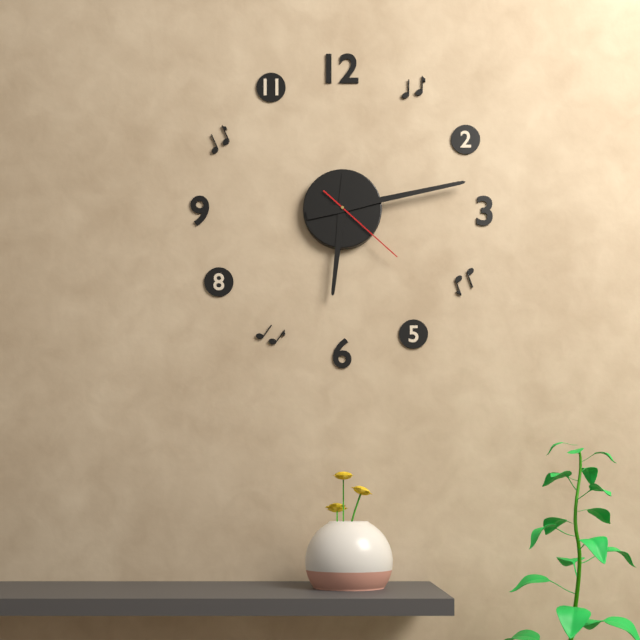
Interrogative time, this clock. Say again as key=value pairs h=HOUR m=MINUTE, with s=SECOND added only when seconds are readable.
h=6 m=13 s=22
